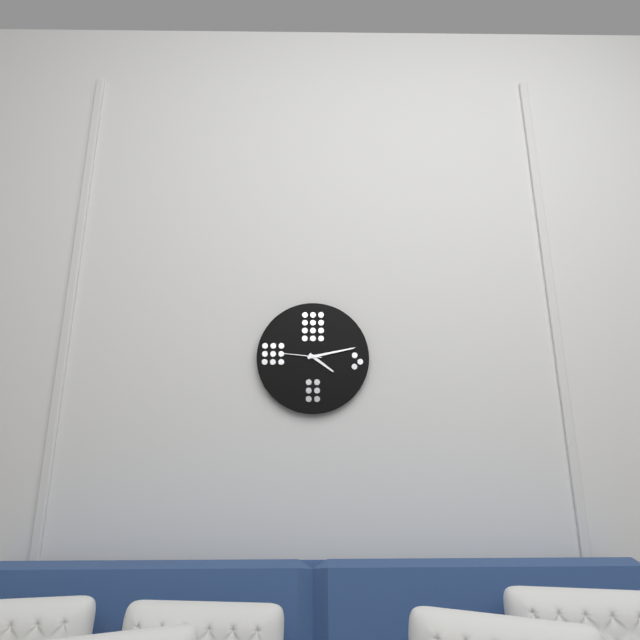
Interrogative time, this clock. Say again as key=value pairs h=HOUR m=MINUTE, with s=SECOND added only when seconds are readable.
h=4 m=13
